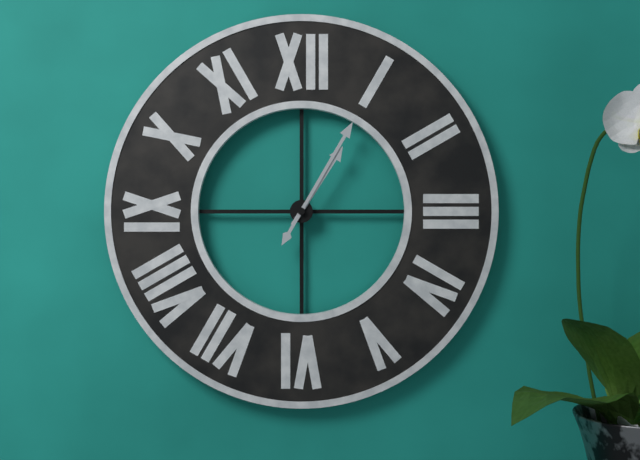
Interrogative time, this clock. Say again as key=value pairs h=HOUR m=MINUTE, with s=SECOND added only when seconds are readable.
h=1 m=5
